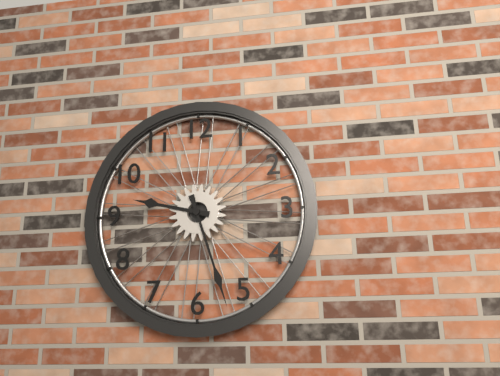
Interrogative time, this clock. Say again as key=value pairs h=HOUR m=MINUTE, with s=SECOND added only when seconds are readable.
h=9 m=27
